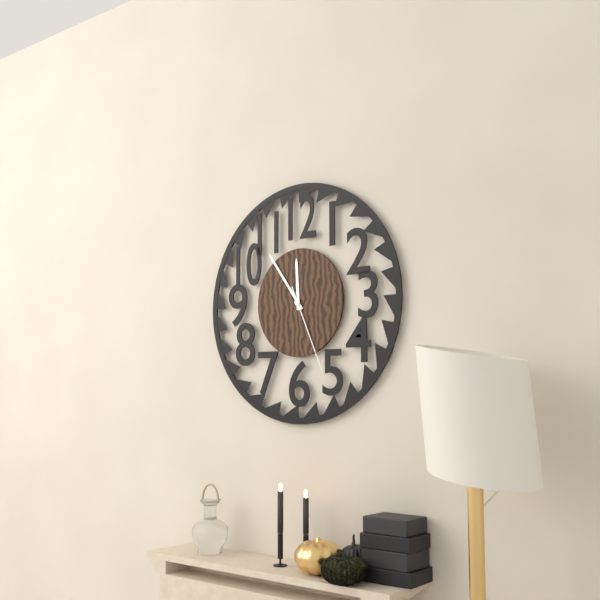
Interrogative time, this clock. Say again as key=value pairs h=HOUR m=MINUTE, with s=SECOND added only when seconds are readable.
h=11 m=54 s=26
